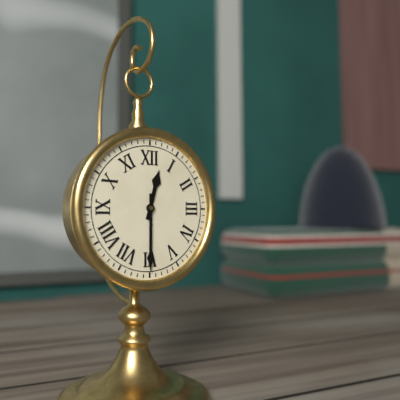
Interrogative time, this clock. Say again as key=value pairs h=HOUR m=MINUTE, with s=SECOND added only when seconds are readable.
h=12 m=30
